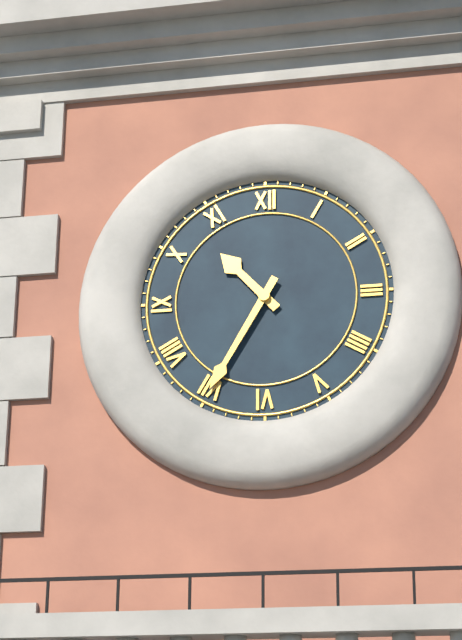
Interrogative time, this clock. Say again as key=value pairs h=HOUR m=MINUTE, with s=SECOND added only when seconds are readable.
h=10 m=35
